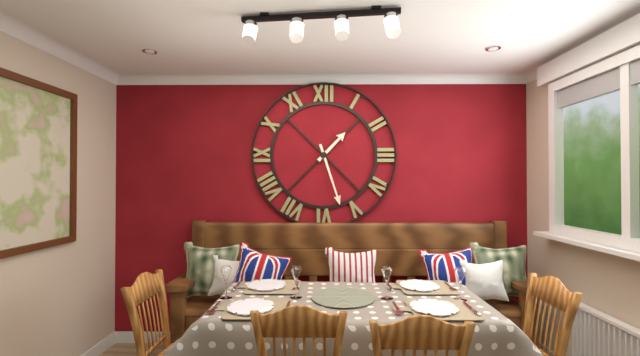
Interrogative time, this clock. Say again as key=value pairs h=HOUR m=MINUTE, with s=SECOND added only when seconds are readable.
h=1 m=27
